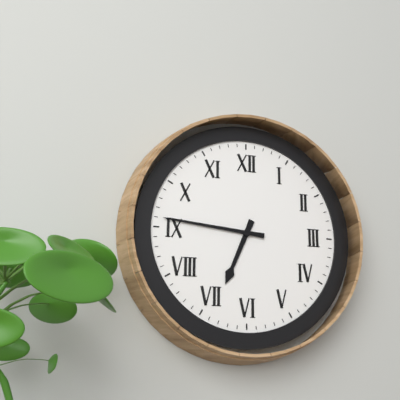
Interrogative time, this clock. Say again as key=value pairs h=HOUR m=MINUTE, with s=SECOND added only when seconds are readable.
h=6 m=46
